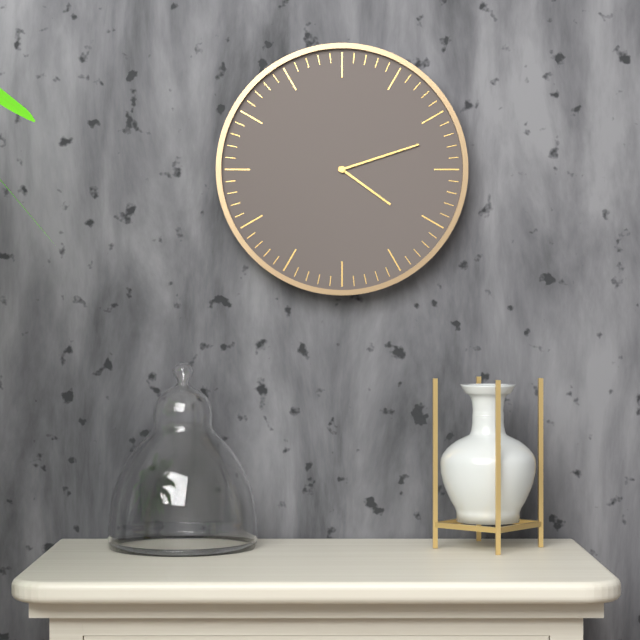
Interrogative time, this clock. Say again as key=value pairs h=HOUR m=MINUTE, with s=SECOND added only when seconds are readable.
h=4 m=12
